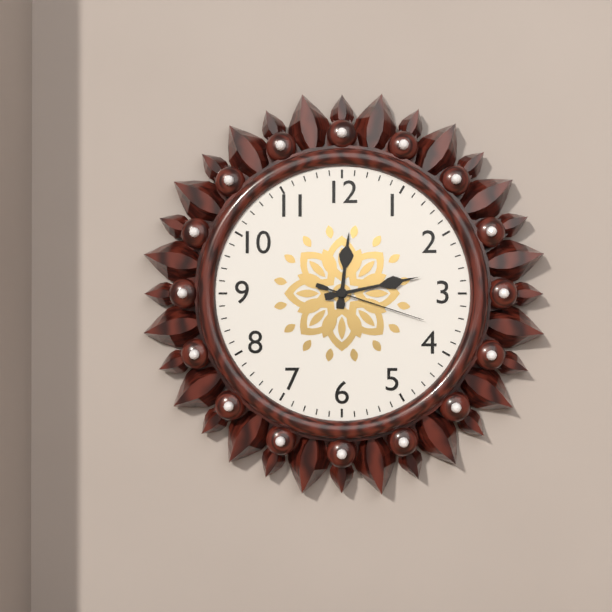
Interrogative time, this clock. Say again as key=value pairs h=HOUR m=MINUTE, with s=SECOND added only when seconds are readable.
h=12 m=13 s=18
